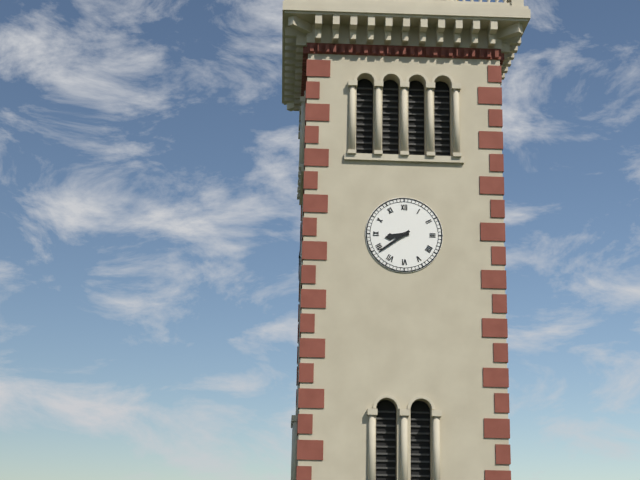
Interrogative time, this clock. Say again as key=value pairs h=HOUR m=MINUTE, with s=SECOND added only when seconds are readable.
h=8 m=39
